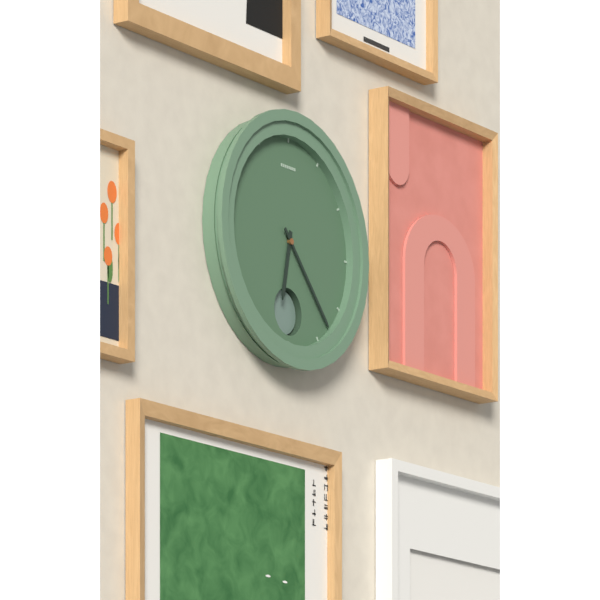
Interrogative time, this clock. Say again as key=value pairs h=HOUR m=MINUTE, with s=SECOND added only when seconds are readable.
h=6 m=23
